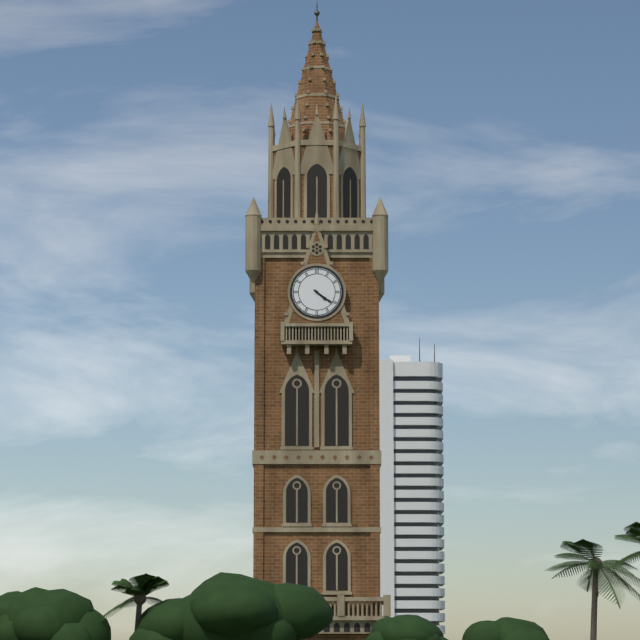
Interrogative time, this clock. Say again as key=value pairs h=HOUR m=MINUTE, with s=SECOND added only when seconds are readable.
h=4 m=21
